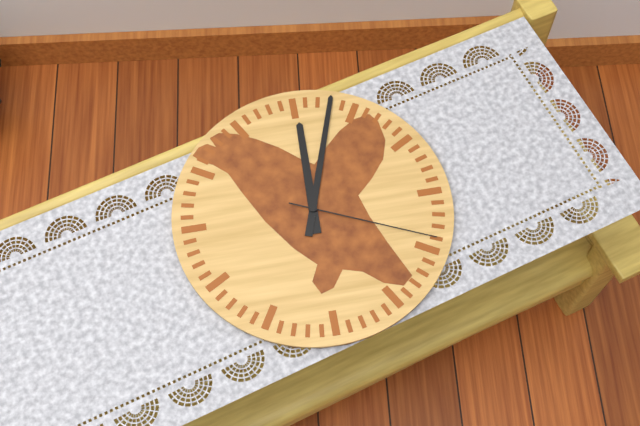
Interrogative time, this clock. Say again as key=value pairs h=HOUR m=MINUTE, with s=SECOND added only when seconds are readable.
h=12 m=3 s=19
